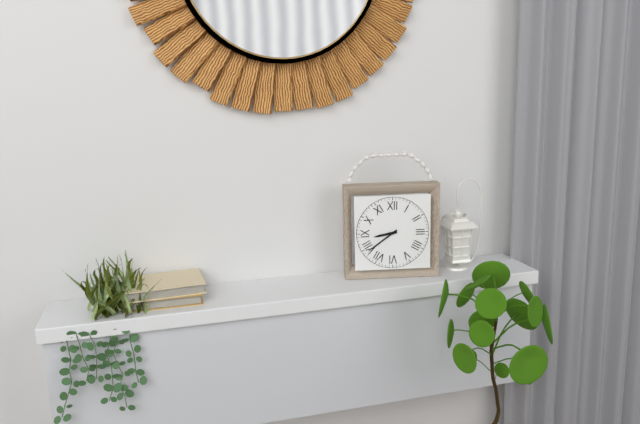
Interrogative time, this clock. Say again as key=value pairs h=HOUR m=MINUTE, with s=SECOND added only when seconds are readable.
h=8 m=39
